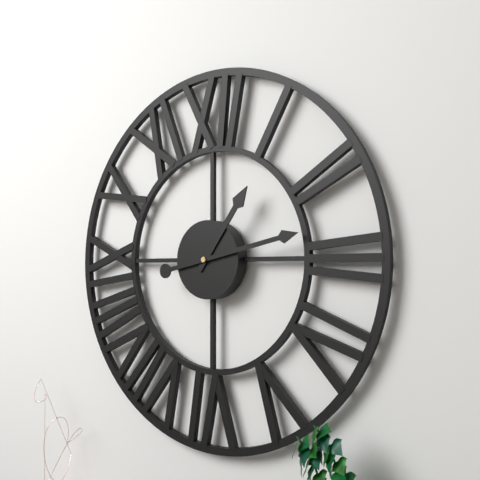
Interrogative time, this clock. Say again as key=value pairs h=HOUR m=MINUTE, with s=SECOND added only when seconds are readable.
h=1 m=13
